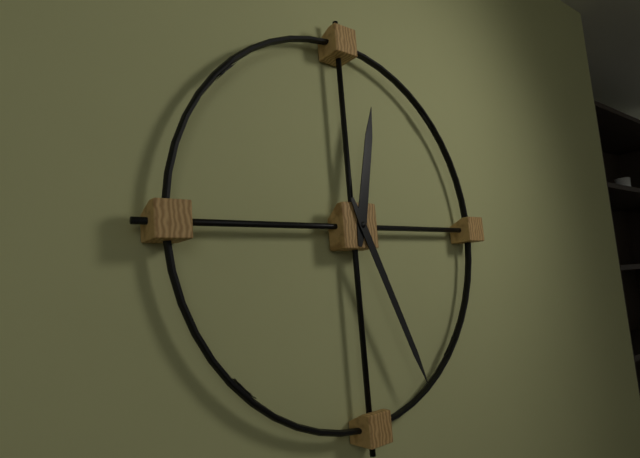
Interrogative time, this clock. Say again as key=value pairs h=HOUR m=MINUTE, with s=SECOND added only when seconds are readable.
h=12 m=26
